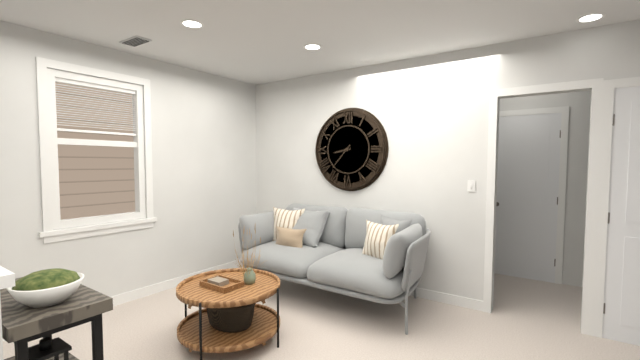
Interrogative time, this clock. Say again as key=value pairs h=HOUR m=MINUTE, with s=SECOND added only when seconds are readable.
h=8 m=37
